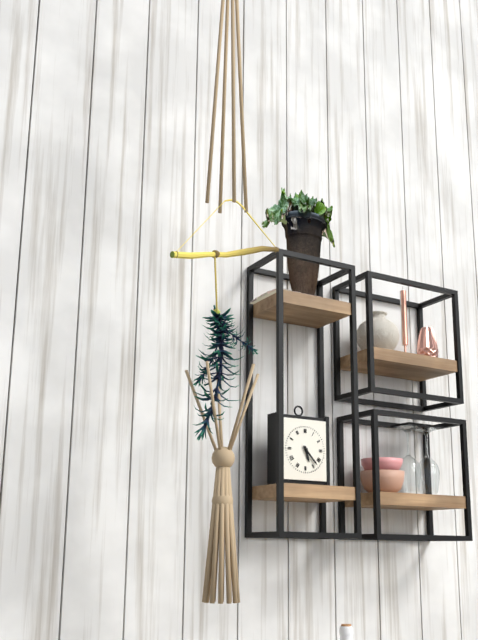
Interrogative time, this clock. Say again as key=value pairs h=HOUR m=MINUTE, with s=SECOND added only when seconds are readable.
h=5 m=23
